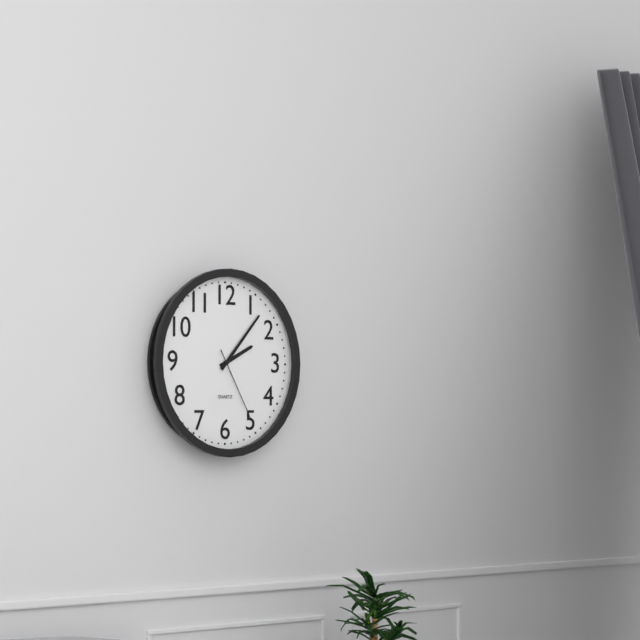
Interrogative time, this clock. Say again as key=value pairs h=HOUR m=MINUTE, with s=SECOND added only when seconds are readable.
h=2 m=7 s=25
